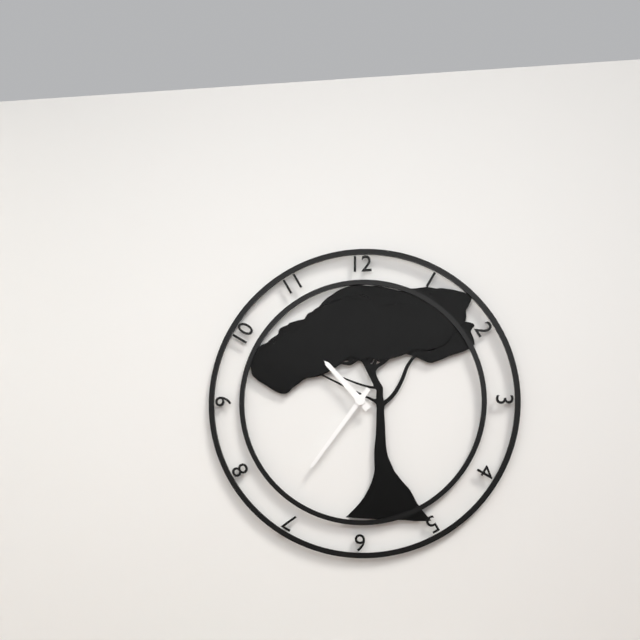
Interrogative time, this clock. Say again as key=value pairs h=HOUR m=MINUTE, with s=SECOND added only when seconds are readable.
h=10 m=36
